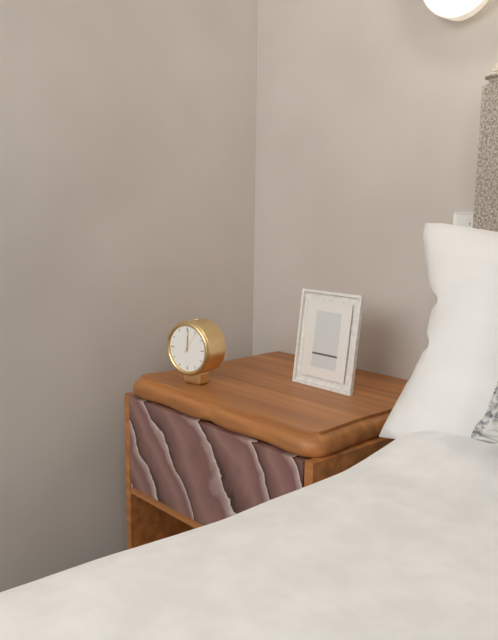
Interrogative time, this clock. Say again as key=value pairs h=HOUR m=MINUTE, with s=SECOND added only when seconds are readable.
h=12 m=1
